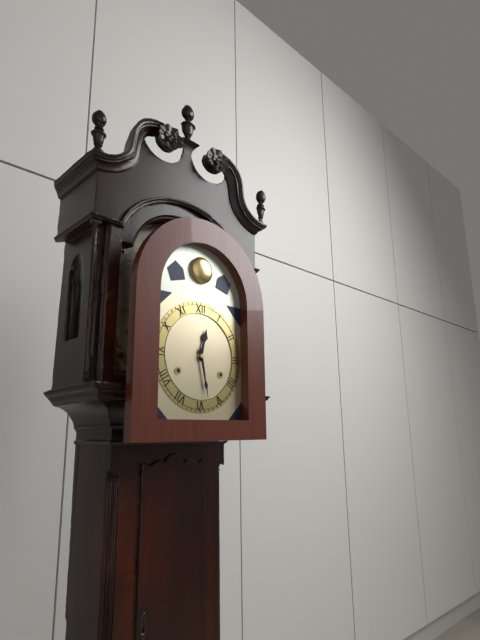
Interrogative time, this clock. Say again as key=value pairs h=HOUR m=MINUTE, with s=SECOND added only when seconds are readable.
h=12 m=28
